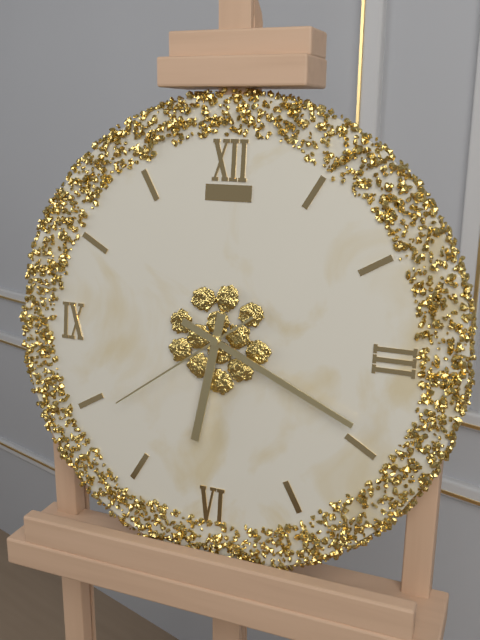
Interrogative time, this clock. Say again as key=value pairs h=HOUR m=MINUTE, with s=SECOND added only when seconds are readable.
h=6 m=19 s=39
